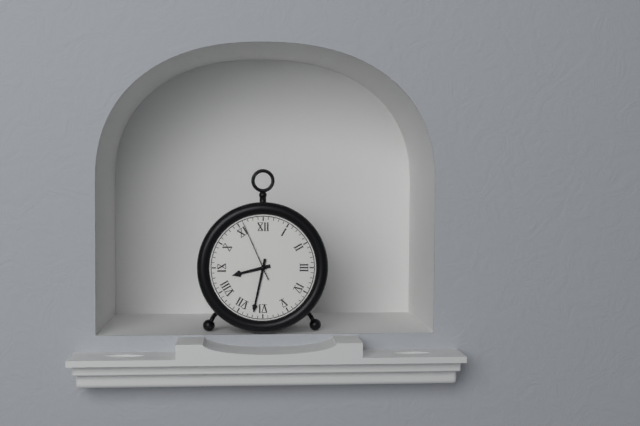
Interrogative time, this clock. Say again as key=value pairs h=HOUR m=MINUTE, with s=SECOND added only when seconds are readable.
h=8 m=32 s=56
